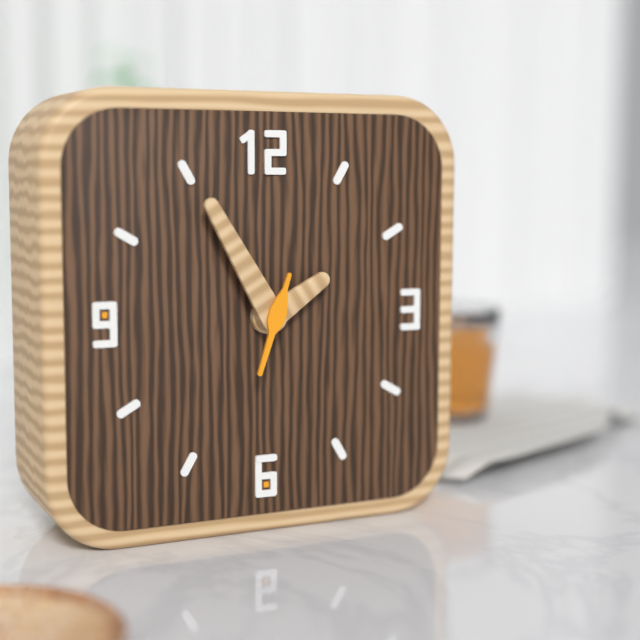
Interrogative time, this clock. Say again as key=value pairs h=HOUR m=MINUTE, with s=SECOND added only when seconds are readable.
h=1 m=55 s=33
